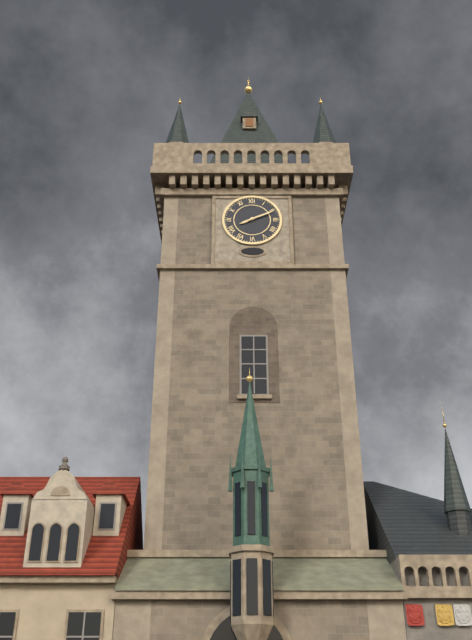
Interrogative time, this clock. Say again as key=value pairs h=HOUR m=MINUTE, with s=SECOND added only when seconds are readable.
h=8 m=11
